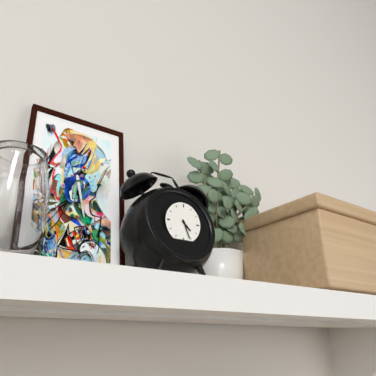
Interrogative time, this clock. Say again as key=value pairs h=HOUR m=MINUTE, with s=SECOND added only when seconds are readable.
h=4 m=26
